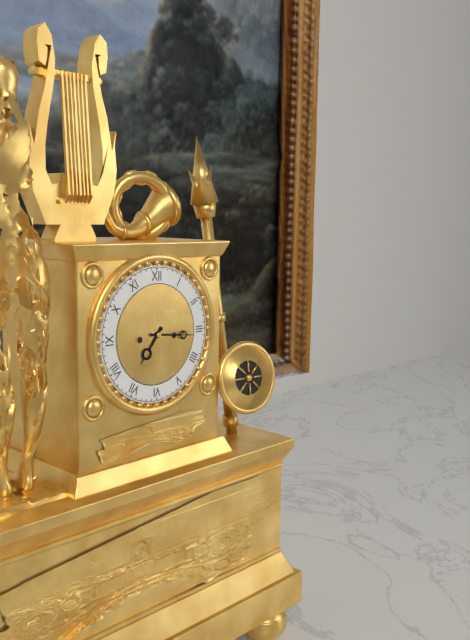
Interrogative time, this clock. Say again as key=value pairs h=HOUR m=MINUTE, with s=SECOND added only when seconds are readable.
h=7 m=16
